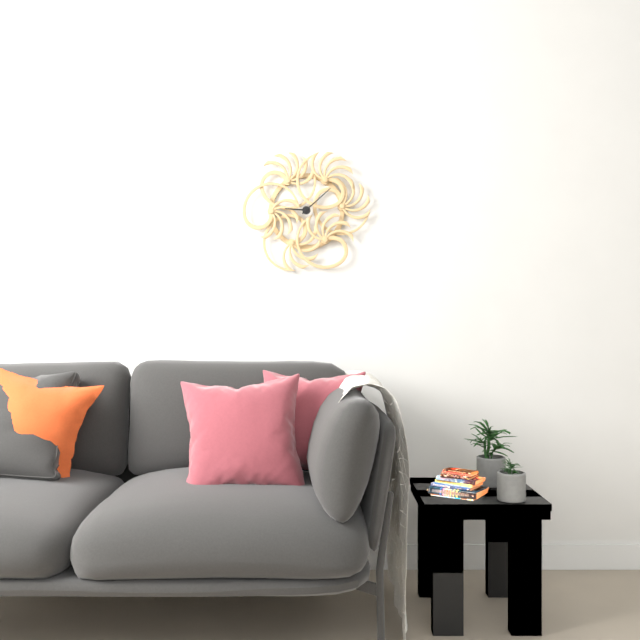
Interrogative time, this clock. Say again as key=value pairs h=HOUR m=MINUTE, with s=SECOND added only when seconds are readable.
h=9 m=8
